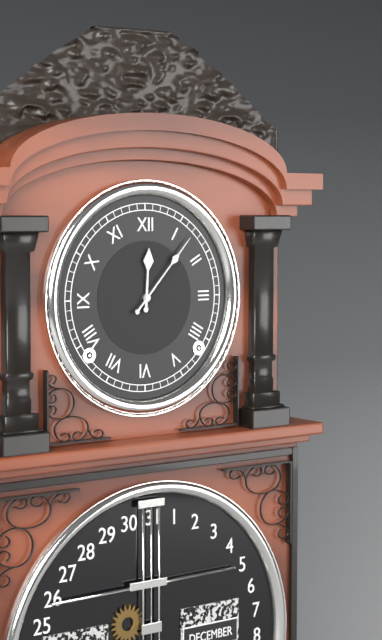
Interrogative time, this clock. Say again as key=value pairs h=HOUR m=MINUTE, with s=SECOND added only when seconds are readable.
h=12 m=7
